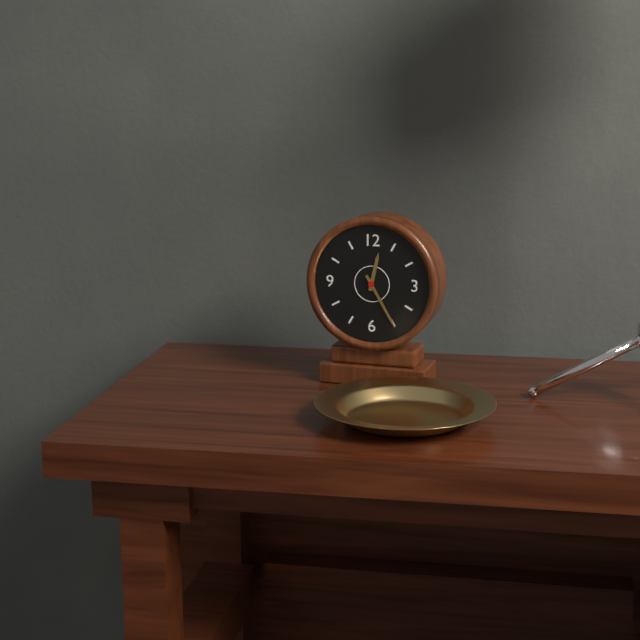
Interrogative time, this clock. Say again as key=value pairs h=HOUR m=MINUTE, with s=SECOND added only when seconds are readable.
h=12 m=25
